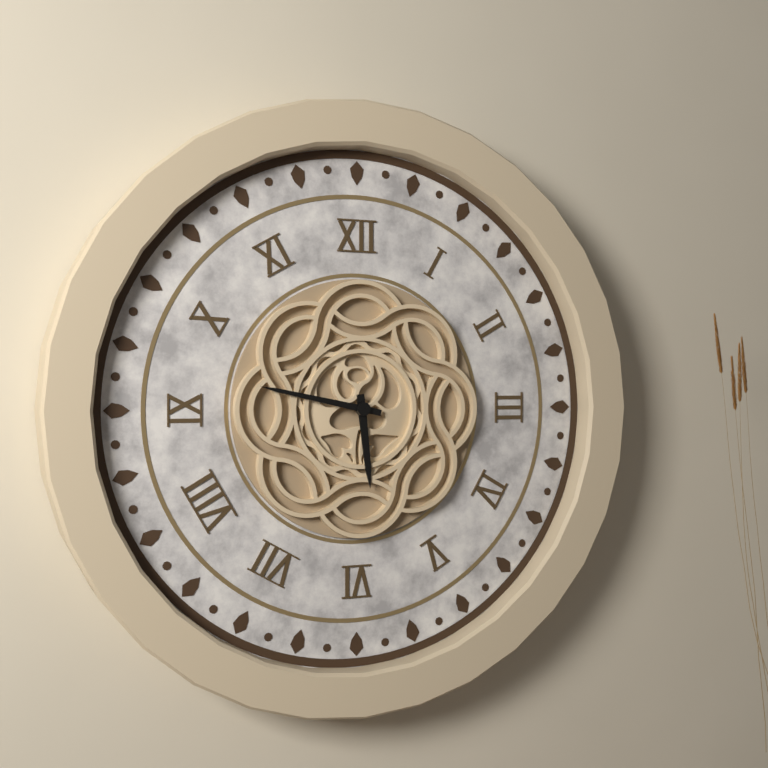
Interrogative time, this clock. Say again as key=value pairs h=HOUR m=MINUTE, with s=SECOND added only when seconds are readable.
h=5 m=47
